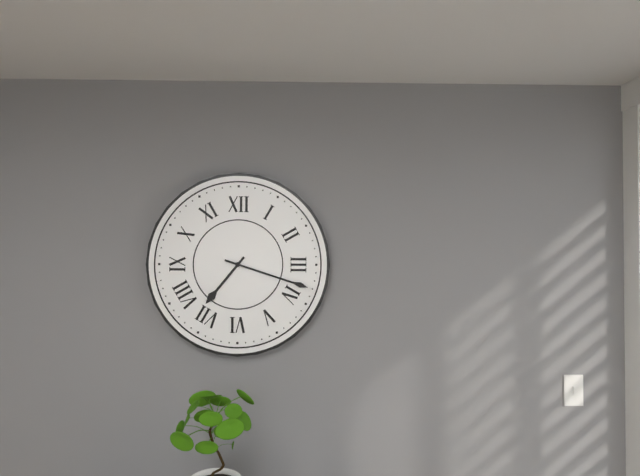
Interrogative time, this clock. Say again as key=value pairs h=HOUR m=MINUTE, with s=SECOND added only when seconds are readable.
h=7 m=18
